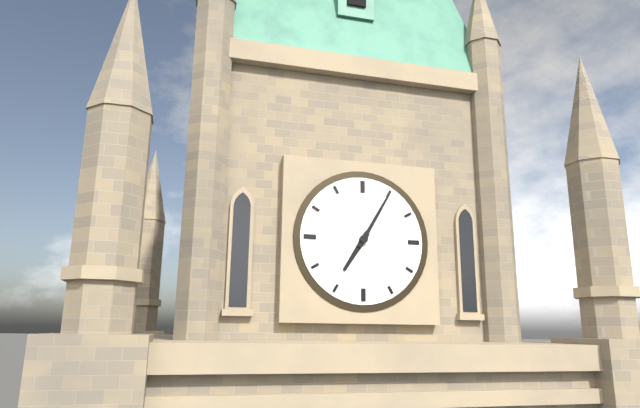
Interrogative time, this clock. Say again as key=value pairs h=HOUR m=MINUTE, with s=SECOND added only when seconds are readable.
h=7 m=5
